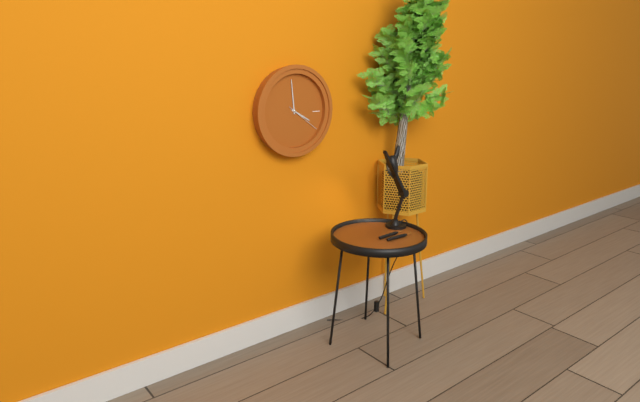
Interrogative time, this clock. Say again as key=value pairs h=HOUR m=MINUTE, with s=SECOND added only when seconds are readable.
h=3 m=59
